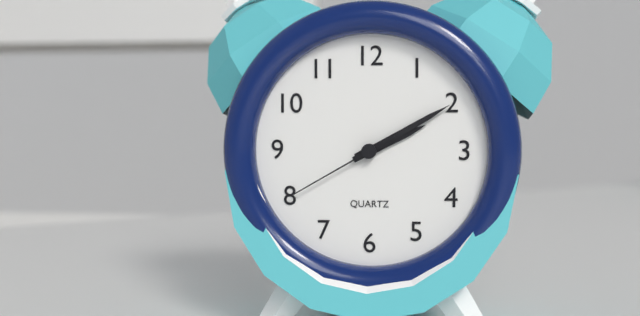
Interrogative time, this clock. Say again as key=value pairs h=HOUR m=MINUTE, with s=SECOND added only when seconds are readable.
h=2 m=10 s=40
